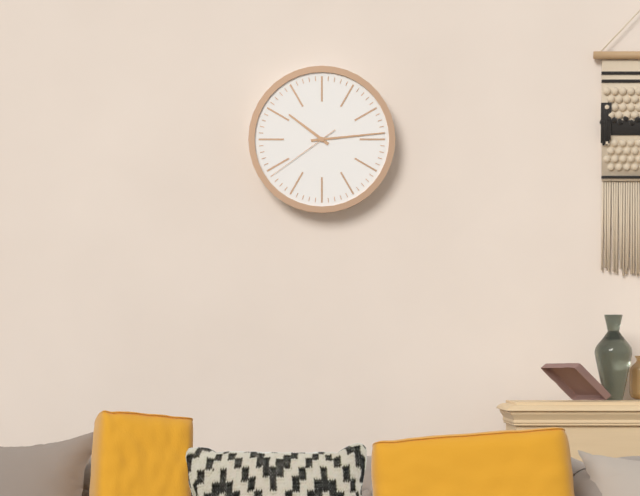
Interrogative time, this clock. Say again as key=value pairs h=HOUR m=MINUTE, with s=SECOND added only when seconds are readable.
h=10 m=14 s=39
